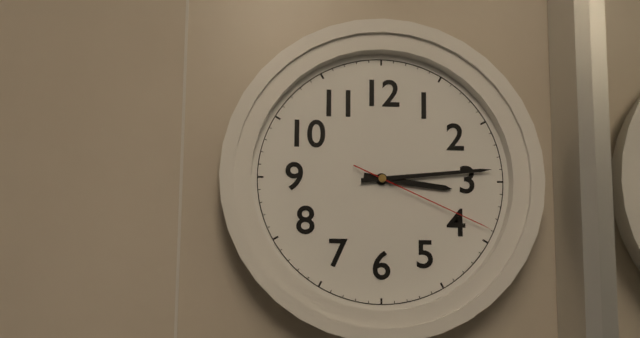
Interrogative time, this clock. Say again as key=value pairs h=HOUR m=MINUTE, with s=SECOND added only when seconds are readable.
h=3 m=14 s=19
